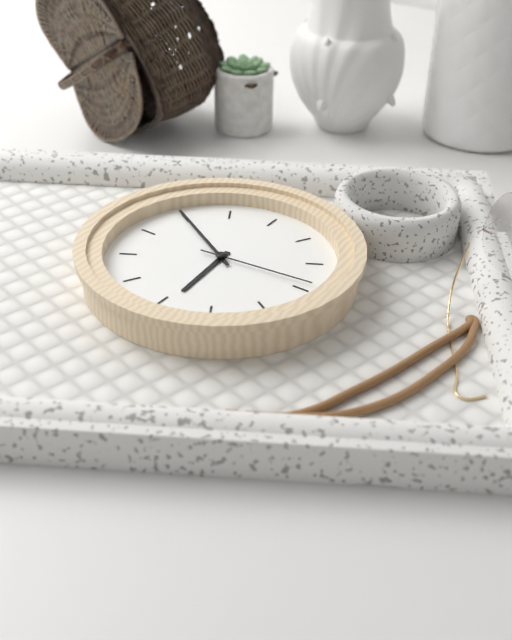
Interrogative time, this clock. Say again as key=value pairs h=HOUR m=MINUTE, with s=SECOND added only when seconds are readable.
h=5 m=50 s=14
